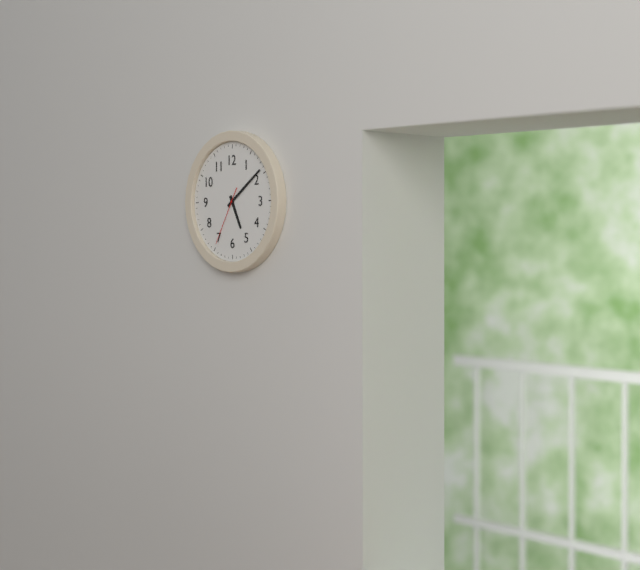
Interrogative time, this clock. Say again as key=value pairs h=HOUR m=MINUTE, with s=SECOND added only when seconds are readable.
h=5 m=9 s=35
